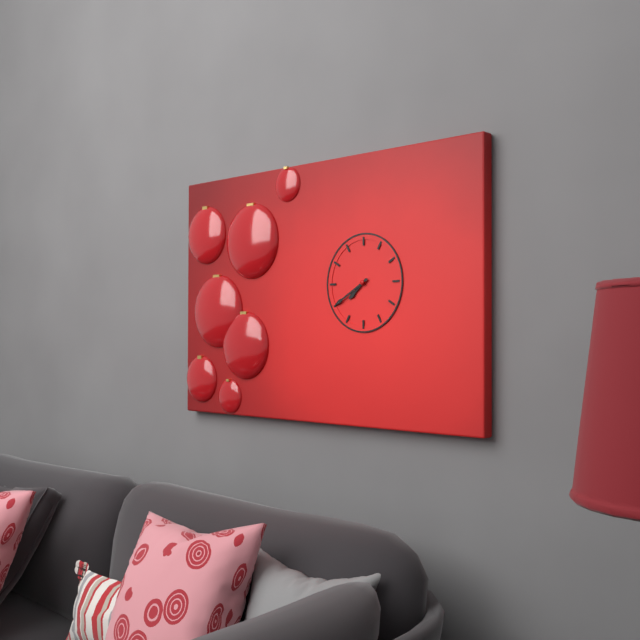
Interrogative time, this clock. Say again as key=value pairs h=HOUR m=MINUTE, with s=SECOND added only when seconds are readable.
h=7 m=40
